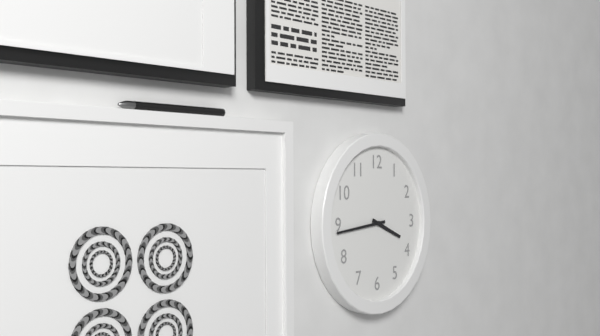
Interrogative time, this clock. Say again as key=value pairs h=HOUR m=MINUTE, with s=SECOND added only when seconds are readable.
h=3 m=44
